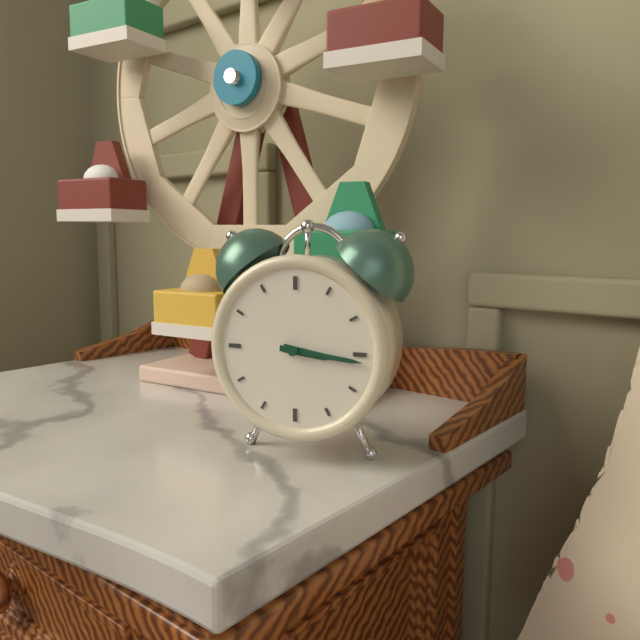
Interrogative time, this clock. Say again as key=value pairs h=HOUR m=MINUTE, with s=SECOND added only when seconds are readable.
h=3 m=16
